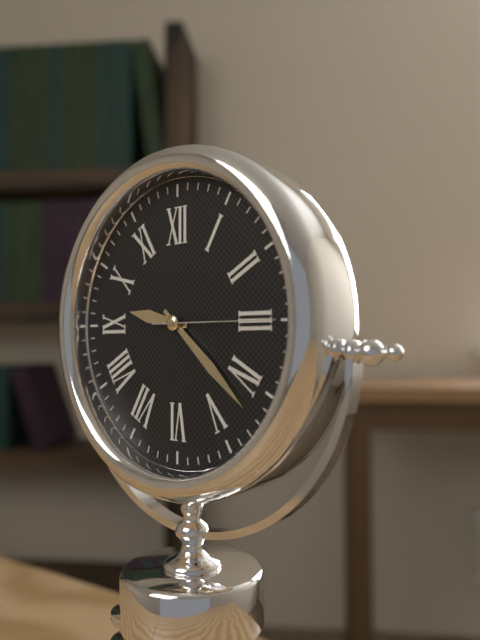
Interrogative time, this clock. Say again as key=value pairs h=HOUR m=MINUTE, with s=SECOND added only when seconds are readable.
h=9 m=22 s=15
